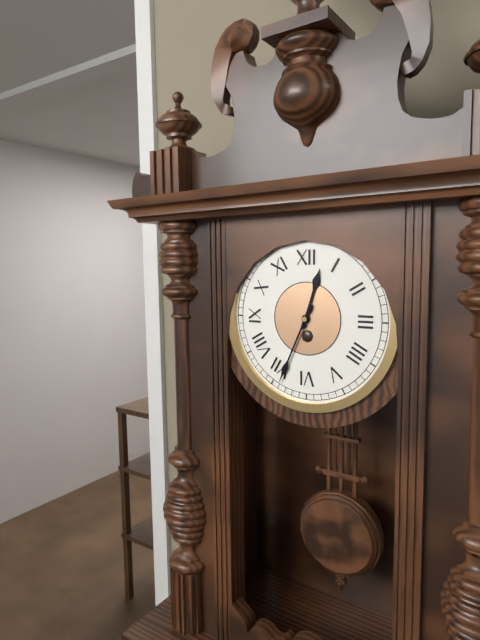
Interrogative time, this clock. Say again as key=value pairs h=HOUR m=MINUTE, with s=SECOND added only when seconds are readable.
h=12 m=34
